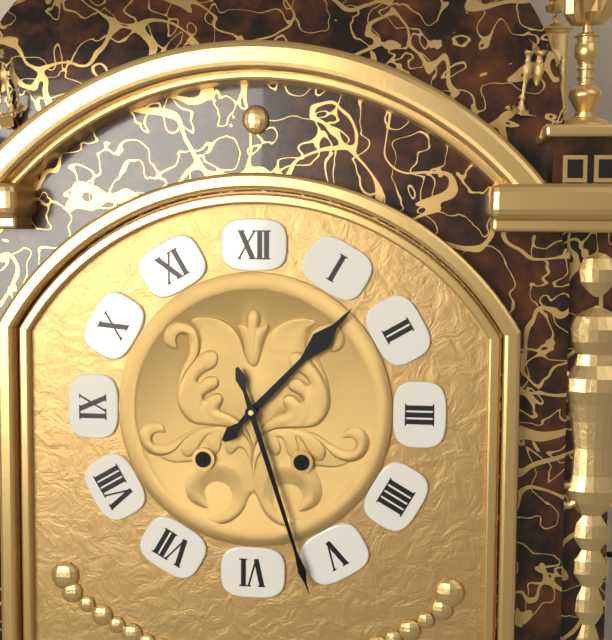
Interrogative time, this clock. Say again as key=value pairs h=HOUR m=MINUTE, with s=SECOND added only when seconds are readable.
h=1 m=27
